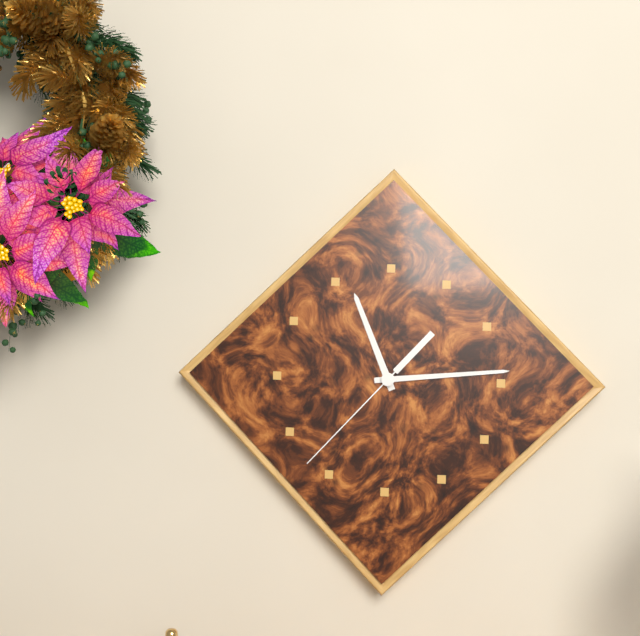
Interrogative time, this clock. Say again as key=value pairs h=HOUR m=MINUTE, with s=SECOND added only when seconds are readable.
h=11 m=14 s=37
